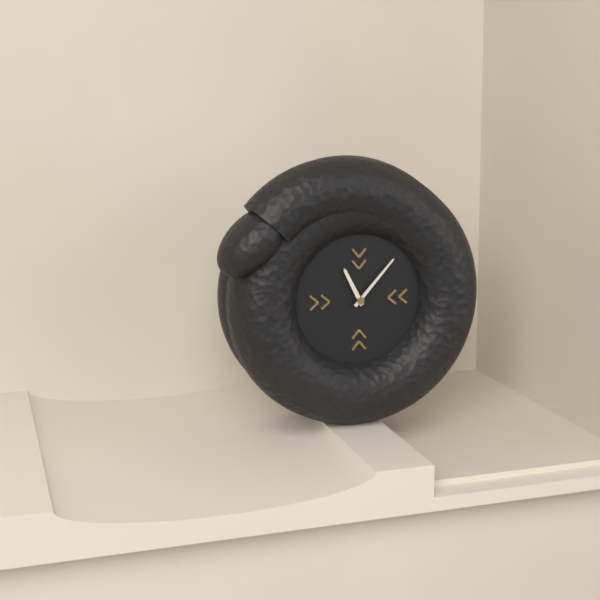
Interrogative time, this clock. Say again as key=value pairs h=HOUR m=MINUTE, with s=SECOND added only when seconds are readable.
h=11 m=7
